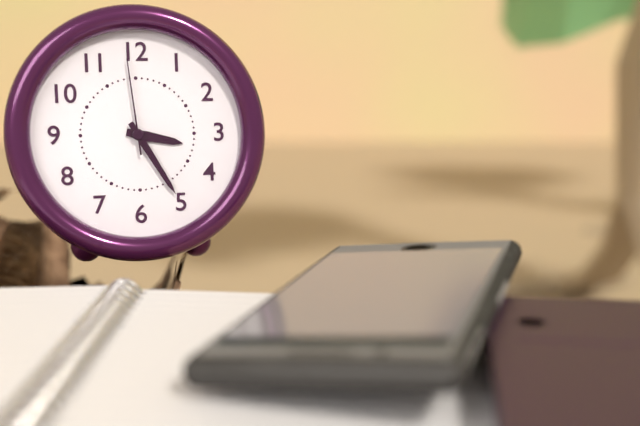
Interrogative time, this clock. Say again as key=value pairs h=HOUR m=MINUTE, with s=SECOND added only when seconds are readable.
h=3 m=25 s=59
